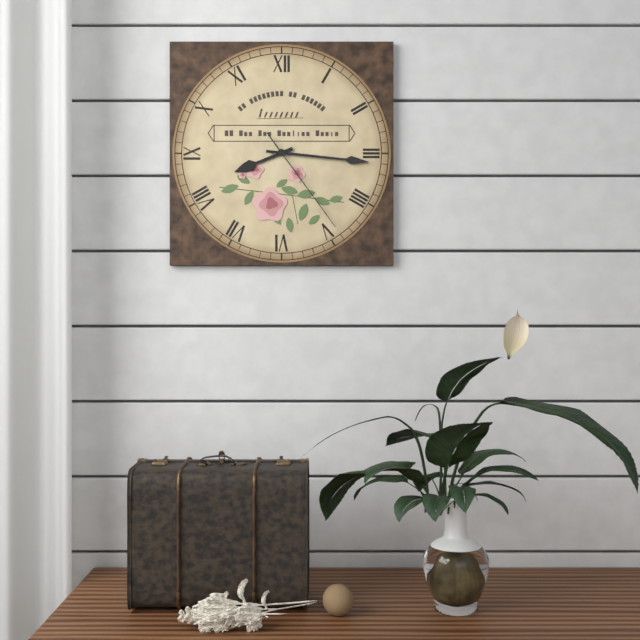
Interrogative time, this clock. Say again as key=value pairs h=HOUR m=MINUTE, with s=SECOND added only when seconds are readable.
h=8 m=16 s=24
